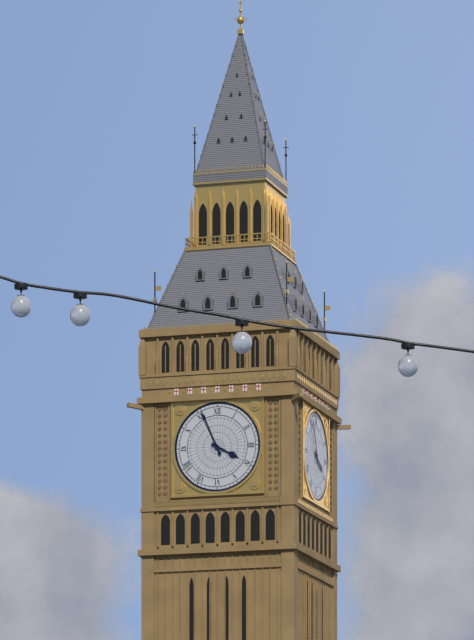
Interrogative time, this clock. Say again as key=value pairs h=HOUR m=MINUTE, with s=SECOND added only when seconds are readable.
h=3 m=56
